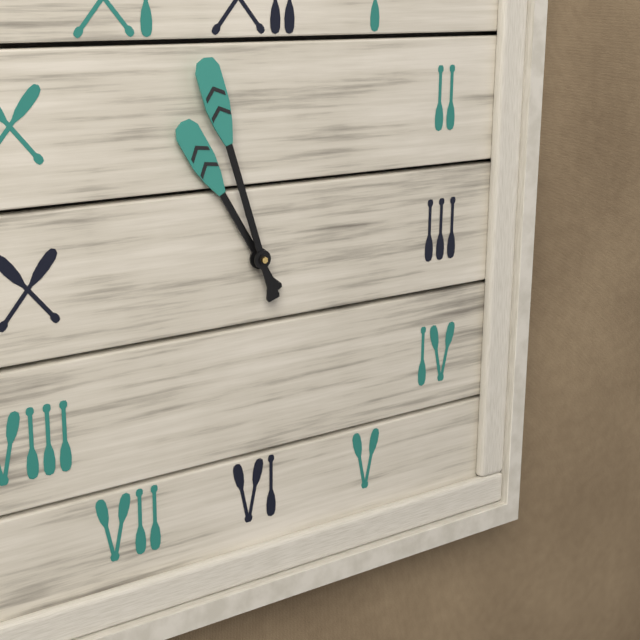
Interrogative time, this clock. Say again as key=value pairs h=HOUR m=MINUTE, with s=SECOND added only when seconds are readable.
h=10 m=57
